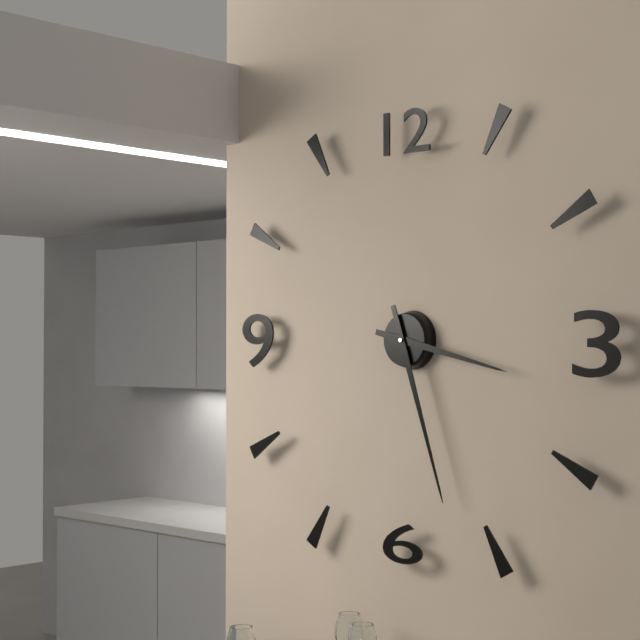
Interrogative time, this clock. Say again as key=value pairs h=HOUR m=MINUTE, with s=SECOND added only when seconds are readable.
h=3 m=27
